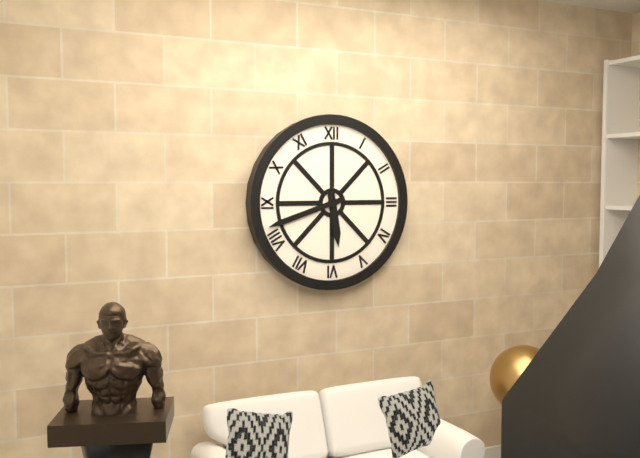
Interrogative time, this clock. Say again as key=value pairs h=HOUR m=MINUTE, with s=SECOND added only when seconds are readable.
h=5 m=42
